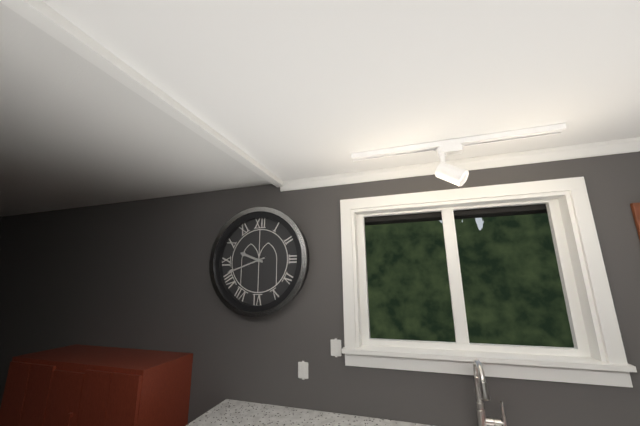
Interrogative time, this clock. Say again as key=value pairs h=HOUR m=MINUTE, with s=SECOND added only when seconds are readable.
h=9 m=42
